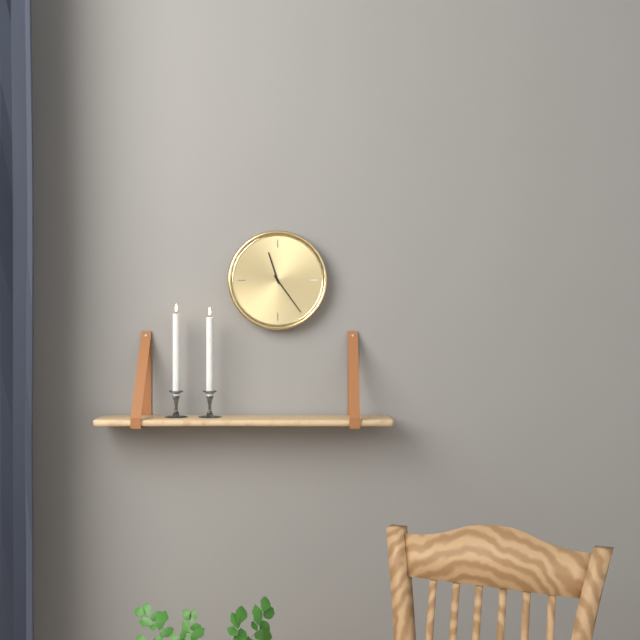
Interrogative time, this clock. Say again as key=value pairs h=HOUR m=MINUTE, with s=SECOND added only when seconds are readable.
h=11 m=24
